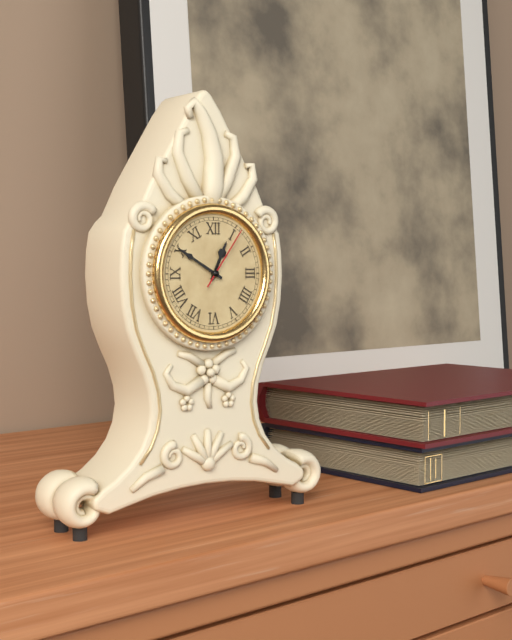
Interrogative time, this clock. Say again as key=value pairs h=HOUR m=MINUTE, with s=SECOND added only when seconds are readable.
h=12 m=50 s=6
